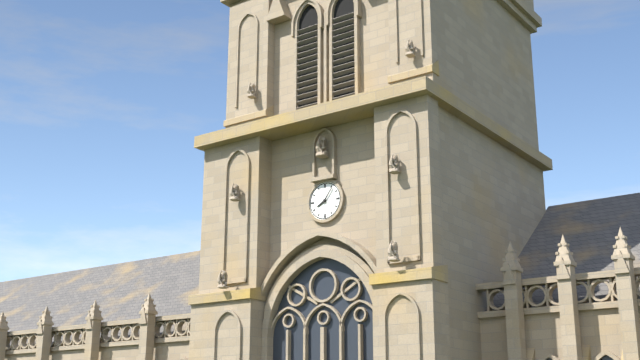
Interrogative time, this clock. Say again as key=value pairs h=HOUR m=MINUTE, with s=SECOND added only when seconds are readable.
h=8 m=6
